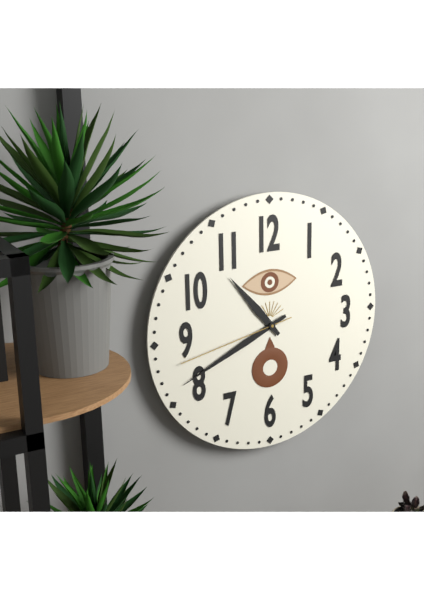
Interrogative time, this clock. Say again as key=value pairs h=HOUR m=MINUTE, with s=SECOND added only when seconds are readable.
h=10 m=41 s=43
